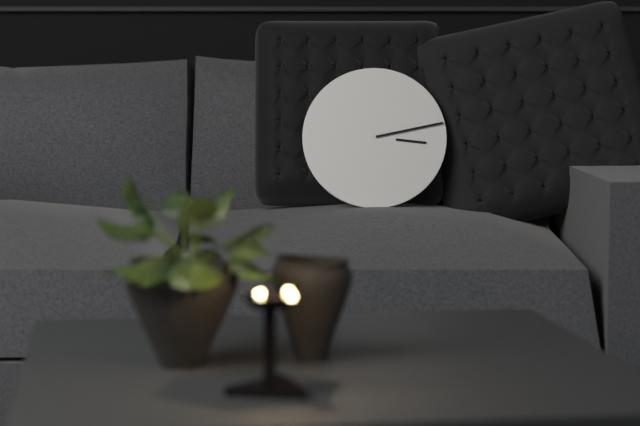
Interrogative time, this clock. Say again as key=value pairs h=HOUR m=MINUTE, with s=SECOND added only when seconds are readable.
h=3 m=13
